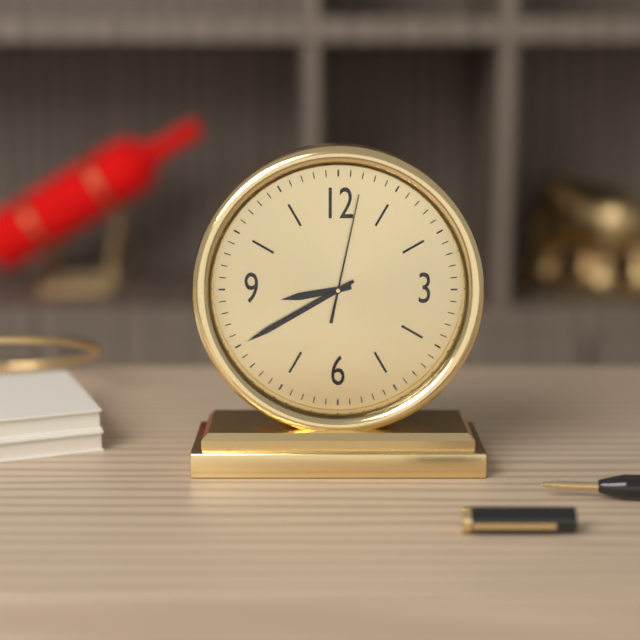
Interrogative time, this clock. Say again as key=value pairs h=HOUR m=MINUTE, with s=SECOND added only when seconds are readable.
h=8 m=40 s=2
